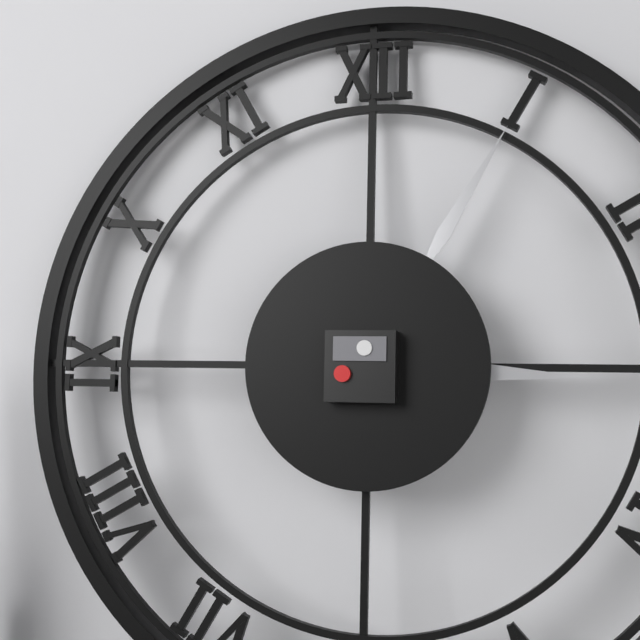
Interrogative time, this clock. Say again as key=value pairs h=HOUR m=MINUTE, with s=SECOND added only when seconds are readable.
h=3 m=5
